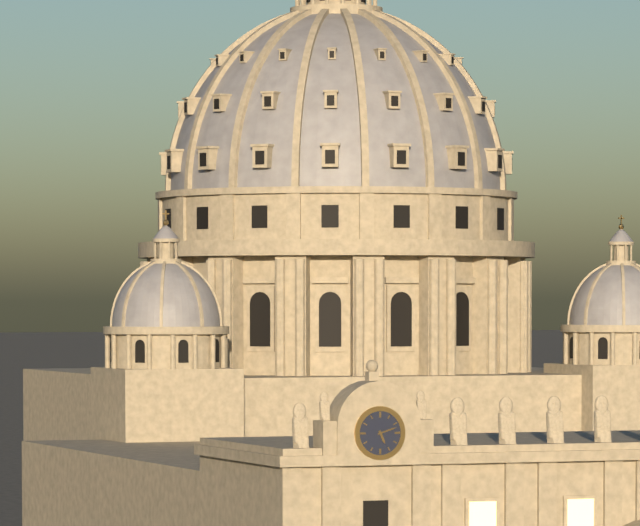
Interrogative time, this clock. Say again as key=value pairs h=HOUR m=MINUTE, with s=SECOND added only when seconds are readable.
h=5 m=12
